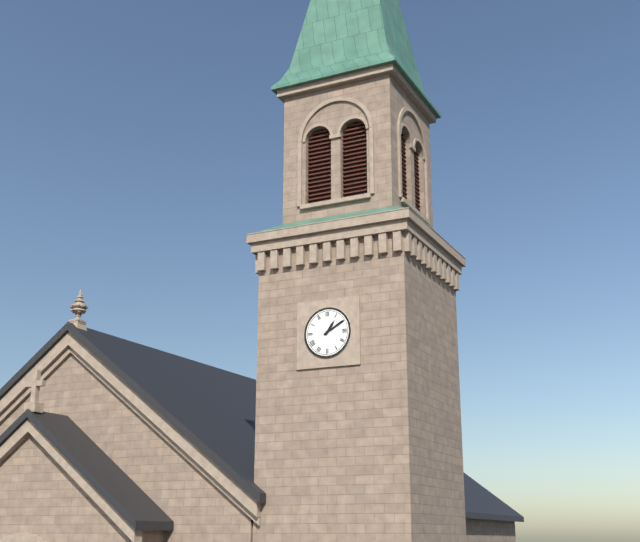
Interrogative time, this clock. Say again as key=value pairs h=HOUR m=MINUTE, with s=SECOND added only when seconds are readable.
h=1 m=10
